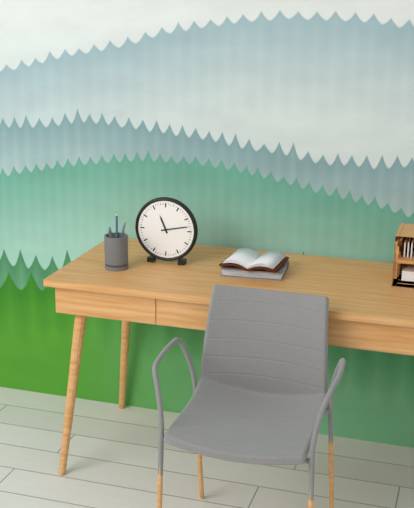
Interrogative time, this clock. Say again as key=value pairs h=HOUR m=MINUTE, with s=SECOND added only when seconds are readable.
h=11 m=13
